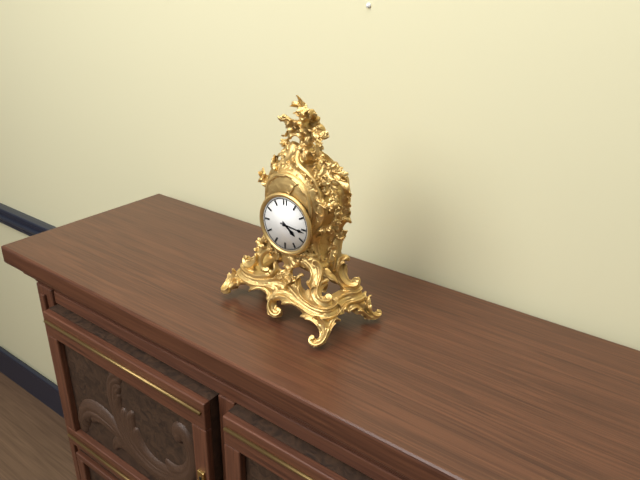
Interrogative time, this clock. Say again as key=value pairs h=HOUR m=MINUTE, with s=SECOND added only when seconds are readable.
h=4 m=16
